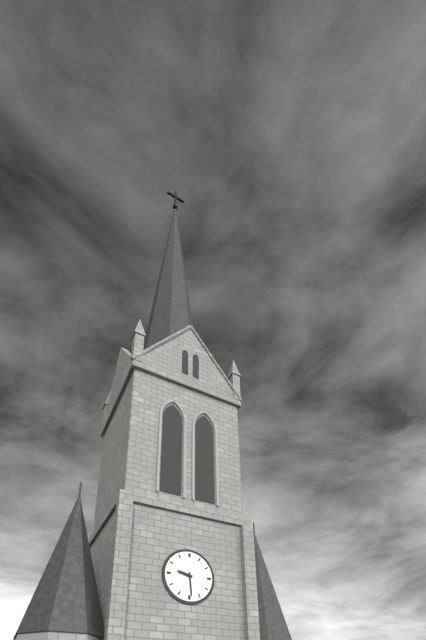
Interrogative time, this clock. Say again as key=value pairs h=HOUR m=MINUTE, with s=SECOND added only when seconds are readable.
h=9 m=29
